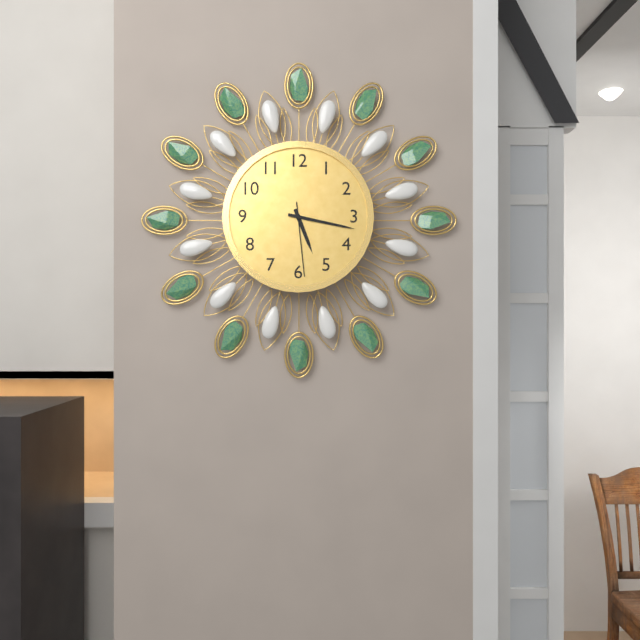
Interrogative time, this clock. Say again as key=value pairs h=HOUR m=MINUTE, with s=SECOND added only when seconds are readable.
h=5 m=17 s=29
